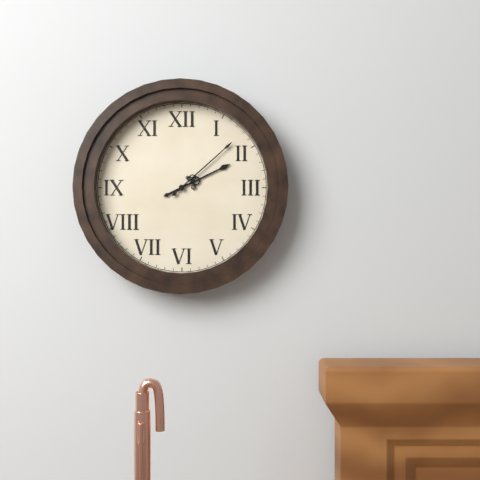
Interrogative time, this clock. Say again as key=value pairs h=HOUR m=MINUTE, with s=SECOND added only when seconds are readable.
h=2 m=8
